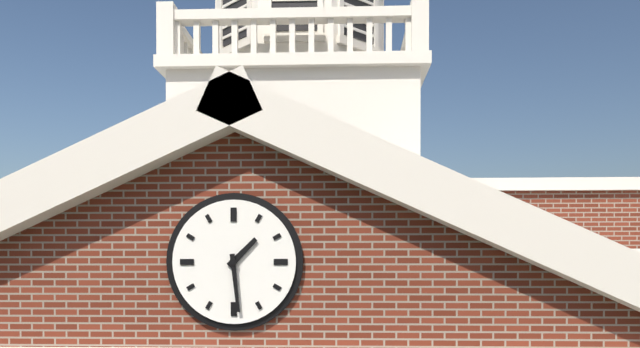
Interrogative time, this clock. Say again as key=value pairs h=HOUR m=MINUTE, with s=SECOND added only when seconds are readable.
h=1 m=29
